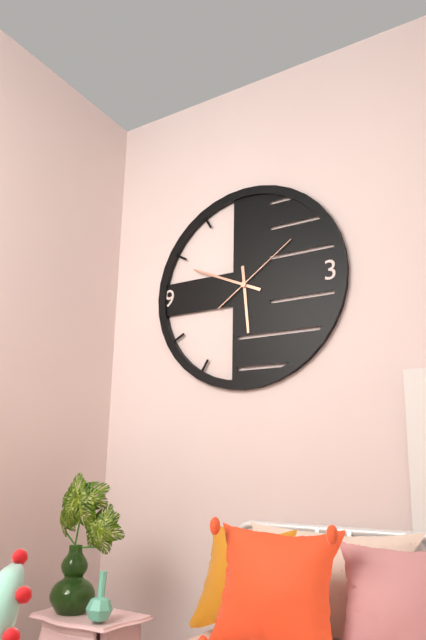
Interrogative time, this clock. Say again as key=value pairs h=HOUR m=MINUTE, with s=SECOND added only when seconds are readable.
h=5 m=49 s=9
